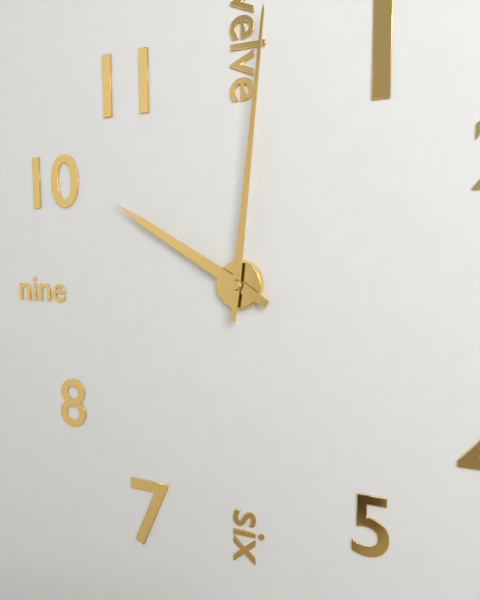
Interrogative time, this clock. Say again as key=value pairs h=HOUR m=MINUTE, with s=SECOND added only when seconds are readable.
h=10 m=1
